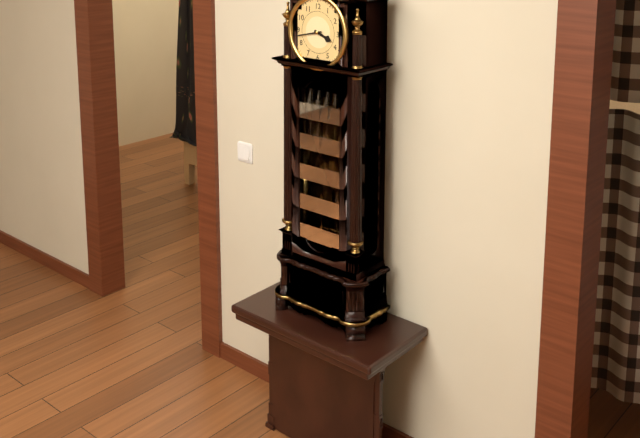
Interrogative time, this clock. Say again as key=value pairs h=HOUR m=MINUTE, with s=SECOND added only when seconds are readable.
h=3 m=43
